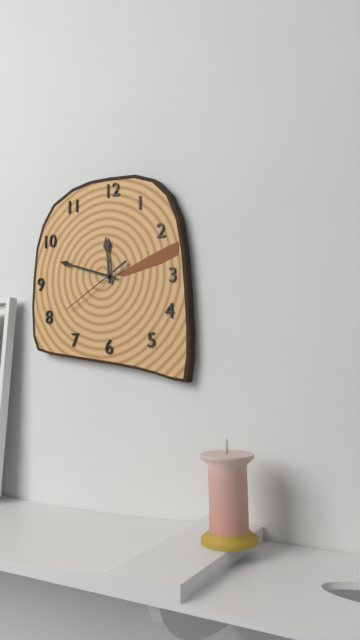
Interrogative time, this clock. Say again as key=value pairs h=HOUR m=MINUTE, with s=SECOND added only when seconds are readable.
h=11 m=48 s=40
